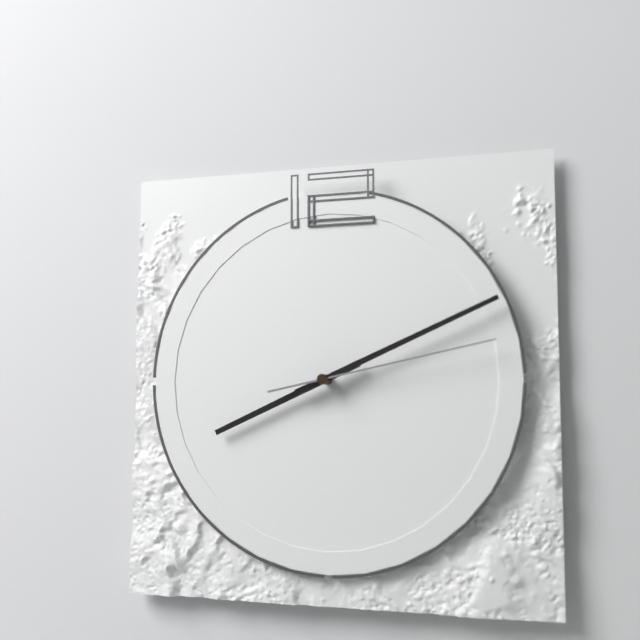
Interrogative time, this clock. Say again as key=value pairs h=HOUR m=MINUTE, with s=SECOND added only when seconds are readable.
h=8 m=11 s=13
